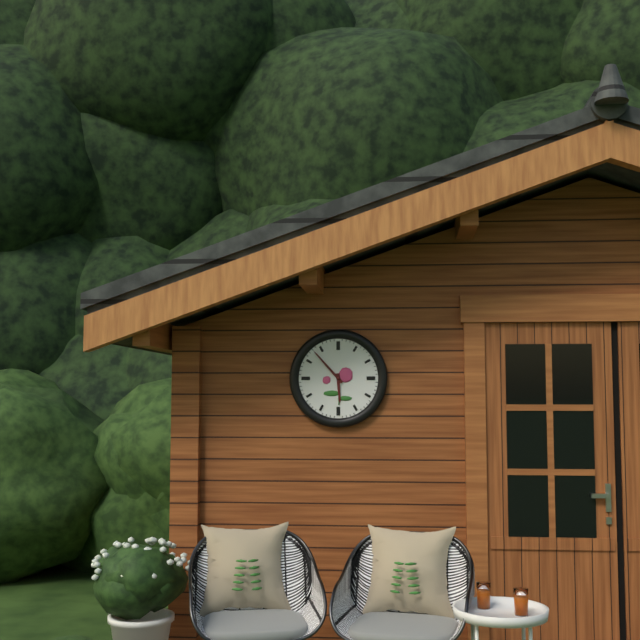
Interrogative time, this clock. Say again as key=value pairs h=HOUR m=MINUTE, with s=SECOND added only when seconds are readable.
h=5 m=53
